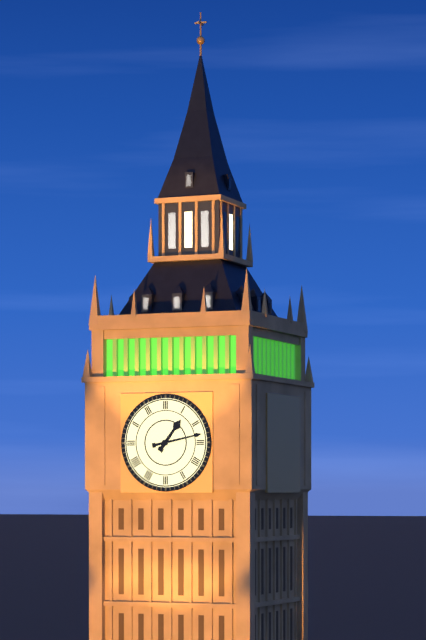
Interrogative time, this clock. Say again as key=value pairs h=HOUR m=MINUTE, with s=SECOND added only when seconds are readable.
h=1 m=13
